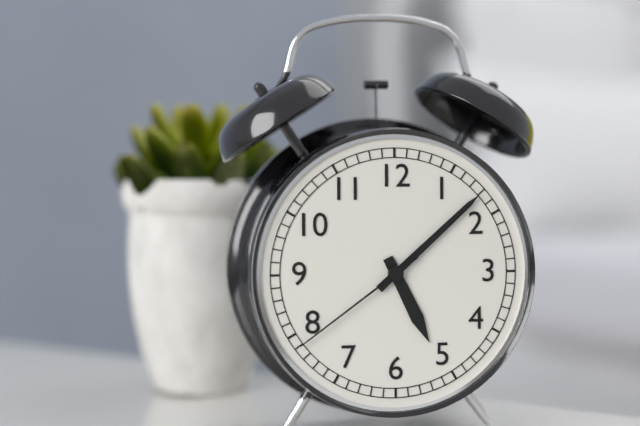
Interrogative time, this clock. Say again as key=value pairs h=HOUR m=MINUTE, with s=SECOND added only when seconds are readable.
h=5 m=8 s=39
